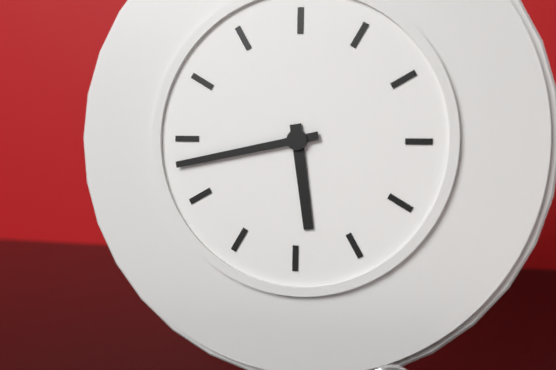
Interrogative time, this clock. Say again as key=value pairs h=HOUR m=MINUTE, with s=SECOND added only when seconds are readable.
h=5 m=43
